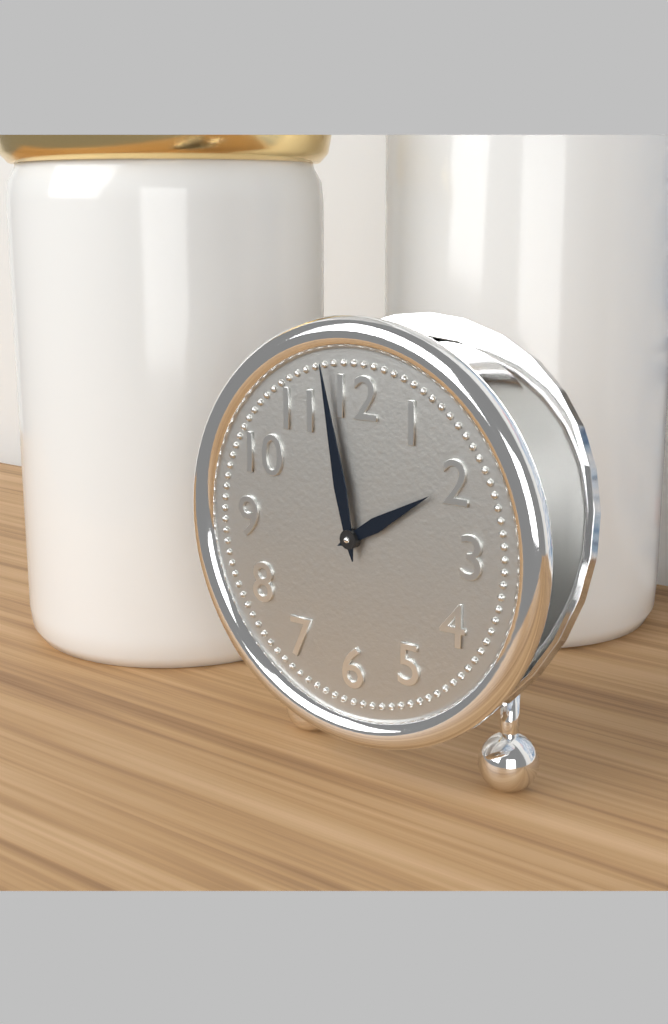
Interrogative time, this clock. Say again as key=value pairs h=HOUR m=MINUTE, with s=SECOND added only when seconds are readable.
h=1 m=58
